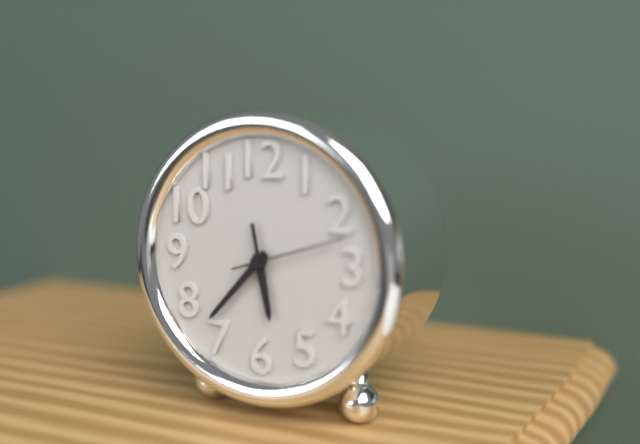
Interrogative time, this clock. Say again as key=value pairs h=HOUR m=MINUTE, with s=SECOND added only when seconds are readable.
h=5 m=37 s=12
